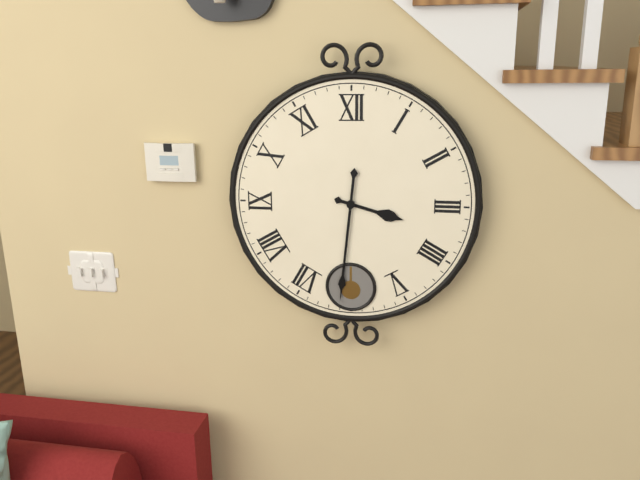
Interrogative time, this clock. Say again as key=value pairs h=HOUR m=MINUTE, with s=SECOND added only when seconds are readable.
h=3 m=31
